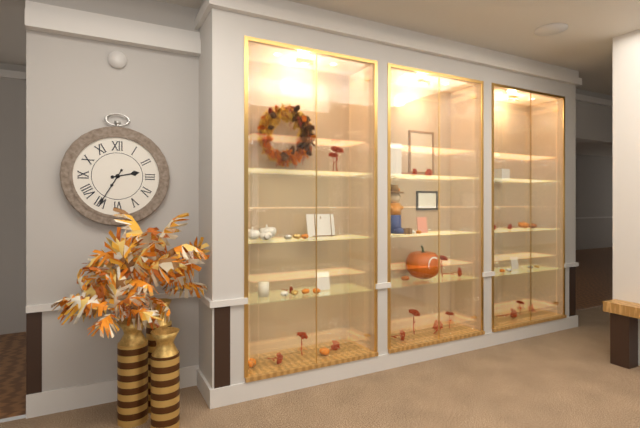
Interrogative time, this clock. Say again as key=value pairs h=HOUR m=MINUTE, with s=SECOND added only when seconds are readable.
h=2 m=35
